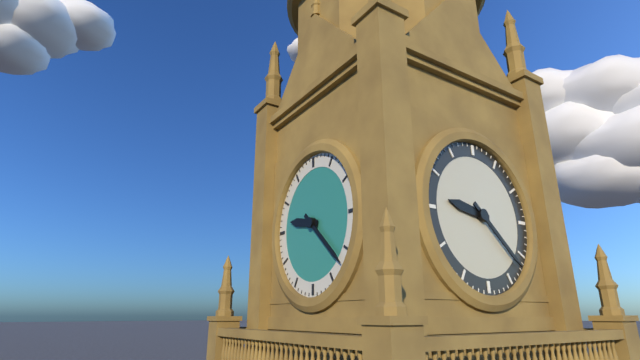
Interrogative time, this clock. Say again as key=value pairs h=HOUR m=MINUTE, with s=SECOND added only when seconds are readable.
h=9 m=22
